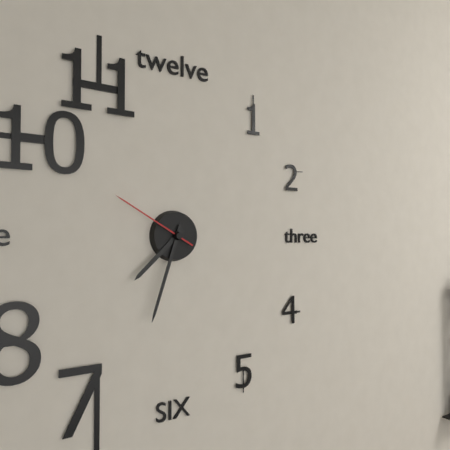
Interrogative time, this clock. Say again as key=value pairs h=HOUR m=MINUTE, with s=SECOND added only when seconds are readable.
h=7 m=33 s=50
